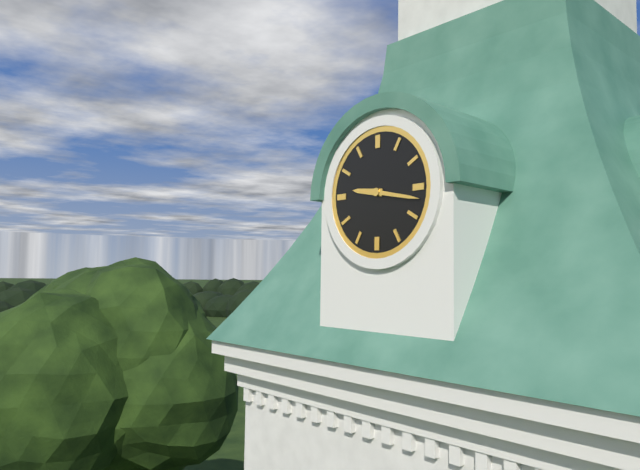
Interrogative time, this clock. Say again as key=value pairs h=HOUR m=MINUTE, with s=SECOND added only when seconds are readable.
h=9 m=17
